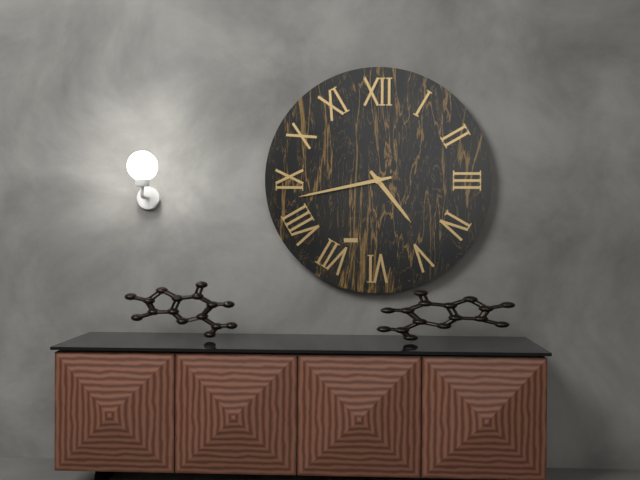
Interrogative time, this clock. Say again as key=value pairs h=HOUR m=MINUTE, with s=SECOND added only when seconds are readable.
h=4 m=43
